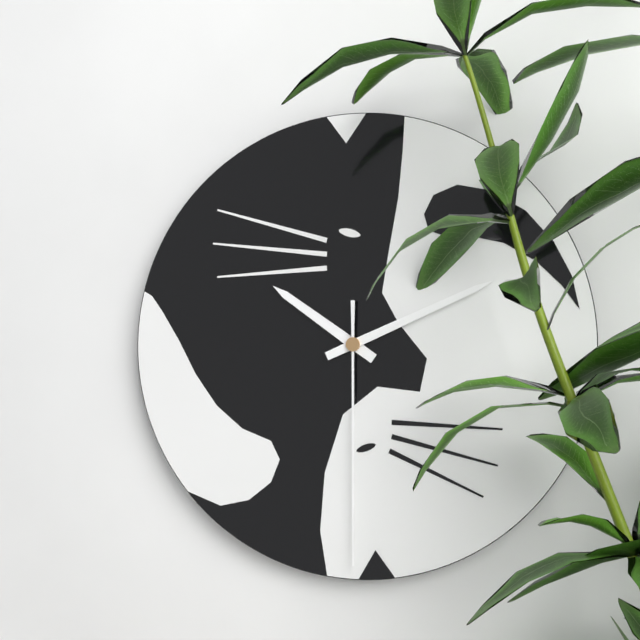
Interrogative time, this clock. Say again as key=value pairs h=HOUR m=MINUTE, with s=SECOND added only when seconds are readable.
h=10 m=11 s=30
